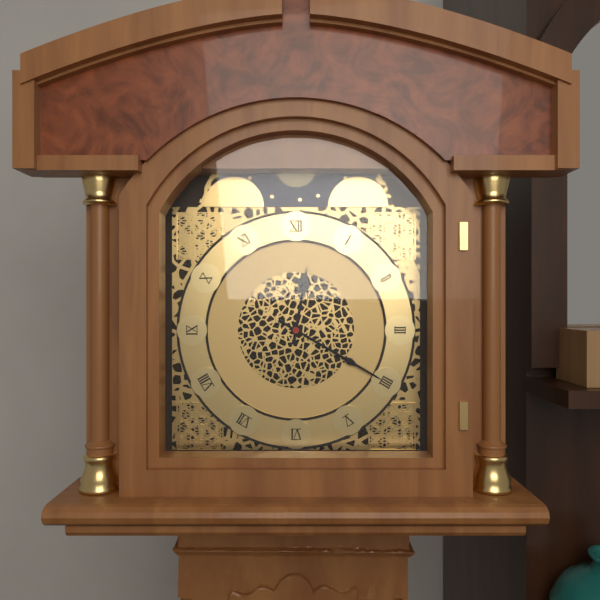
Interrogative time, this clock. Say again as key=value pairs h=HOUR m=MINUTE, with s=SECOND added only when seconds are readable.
h=12 m=20
